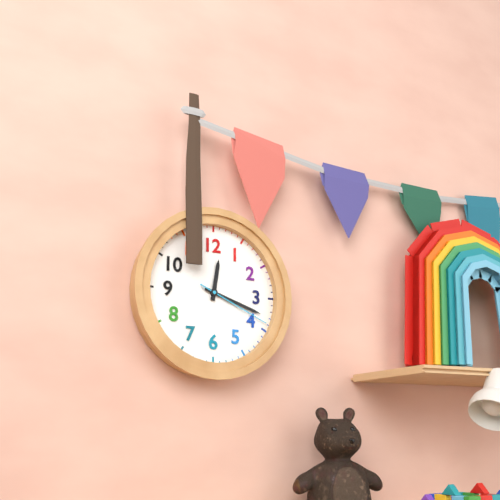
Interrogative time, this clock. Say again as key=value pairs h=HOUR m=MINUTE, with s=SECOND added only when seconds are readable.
h=12 m=18 s=19
